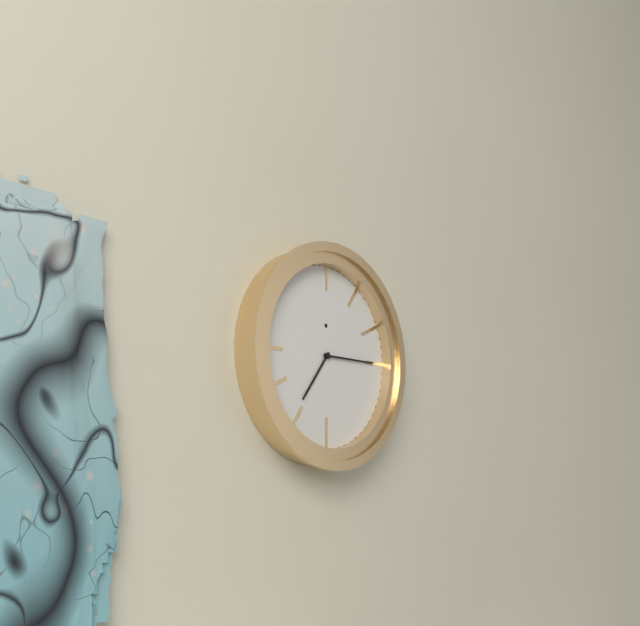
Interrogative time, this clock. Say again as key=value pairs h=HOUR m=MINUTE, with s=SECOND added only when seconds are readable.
h=7 m=15
